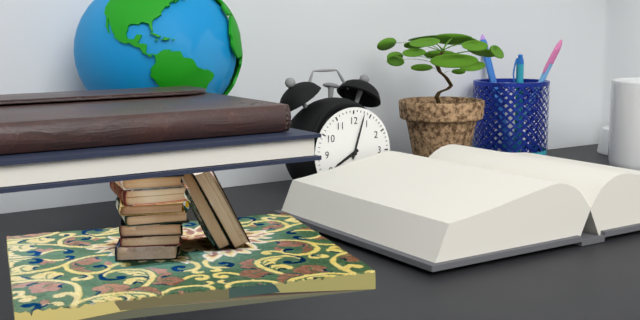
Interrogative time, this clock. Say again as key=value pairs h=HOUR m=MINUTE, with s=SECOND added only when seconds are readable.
h=8 m=3
